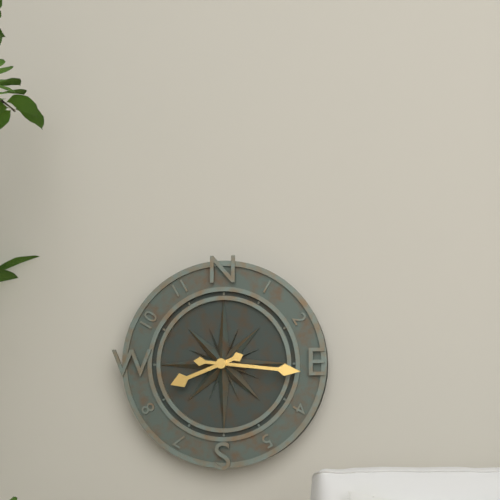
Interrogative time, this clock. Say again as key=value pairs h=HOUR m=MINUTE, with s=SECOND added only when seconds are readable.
h=8 m=16
